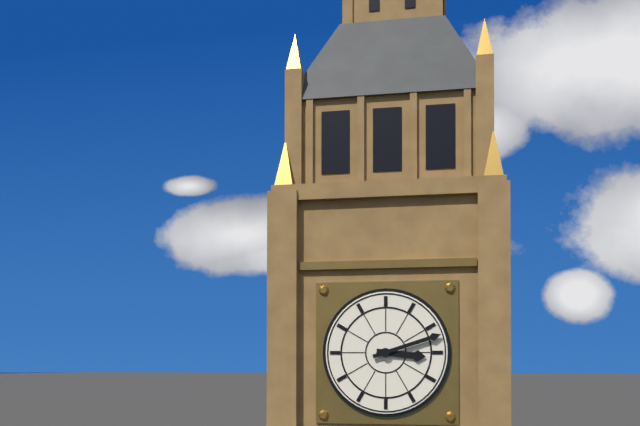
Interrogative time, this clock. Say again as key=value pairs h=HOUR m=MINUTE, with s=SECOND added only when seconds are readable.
h=3 m=12
